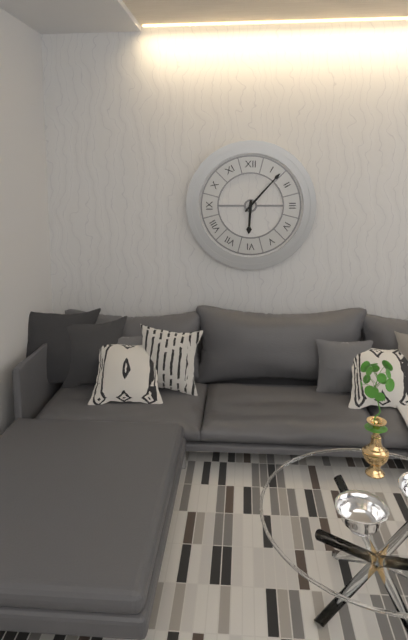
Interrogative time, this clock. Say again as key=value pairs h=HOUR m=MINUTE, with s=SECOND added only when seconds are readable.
h=6 m=7
